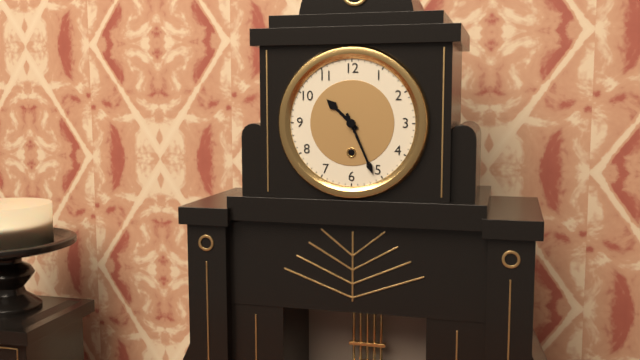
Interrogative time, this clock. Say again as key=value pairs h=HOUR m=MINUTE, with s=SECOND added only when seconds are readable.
h=10 m=26
